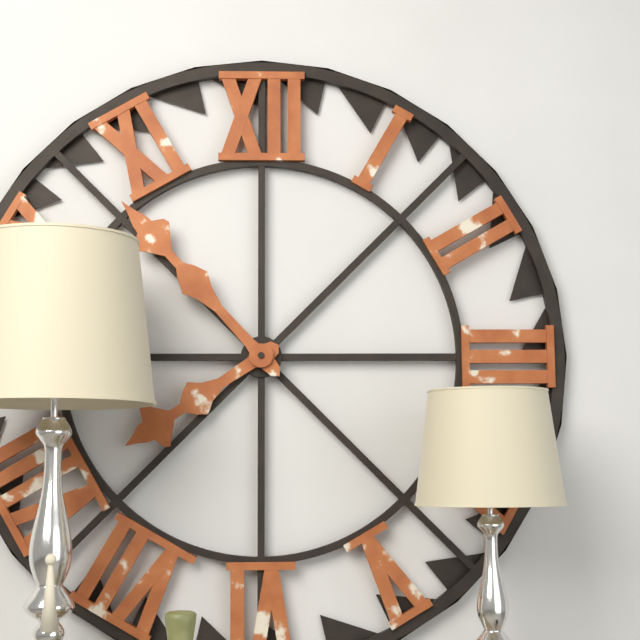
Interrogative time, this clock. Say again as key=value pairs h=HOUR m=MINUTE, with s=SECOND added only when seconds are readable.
h=7 m=53
